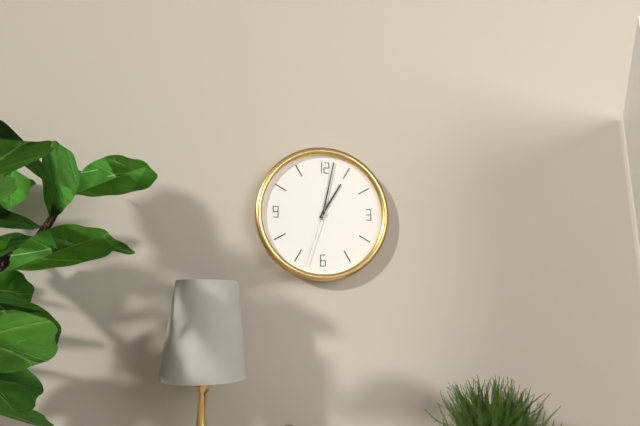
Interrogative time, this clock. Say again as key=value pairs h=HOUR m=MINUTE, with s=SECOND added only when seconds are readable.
h=1 m=2 s=33
